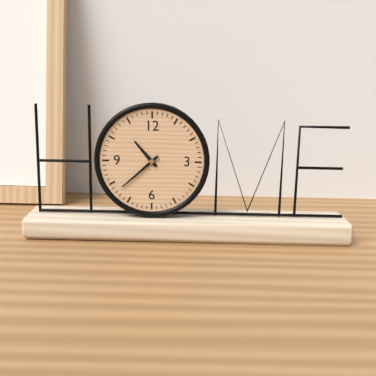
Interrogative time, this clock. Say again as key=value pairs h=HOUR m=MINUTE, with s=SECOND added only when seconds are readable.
h=10 m=38
